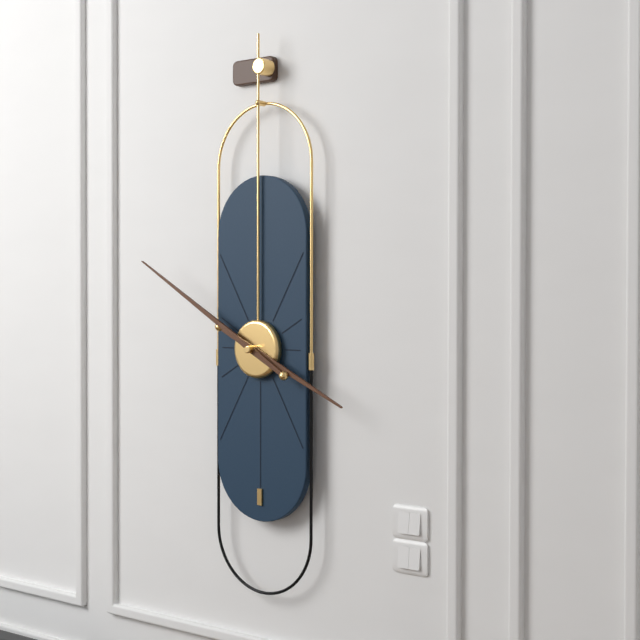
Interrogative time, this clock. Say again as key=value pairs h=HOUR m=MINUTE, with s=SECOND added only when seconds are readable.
h=3 m=50
